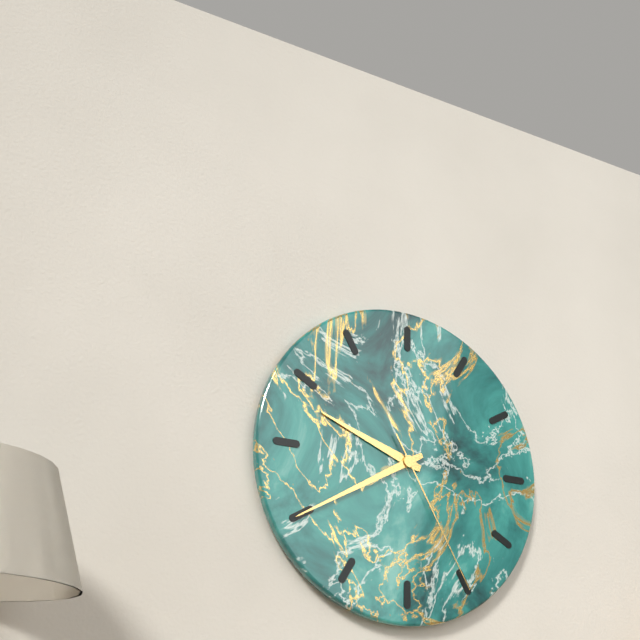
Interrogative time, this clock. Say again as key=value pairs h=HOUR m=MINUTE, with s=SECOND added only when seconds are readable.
h=9 m=40 s=25
